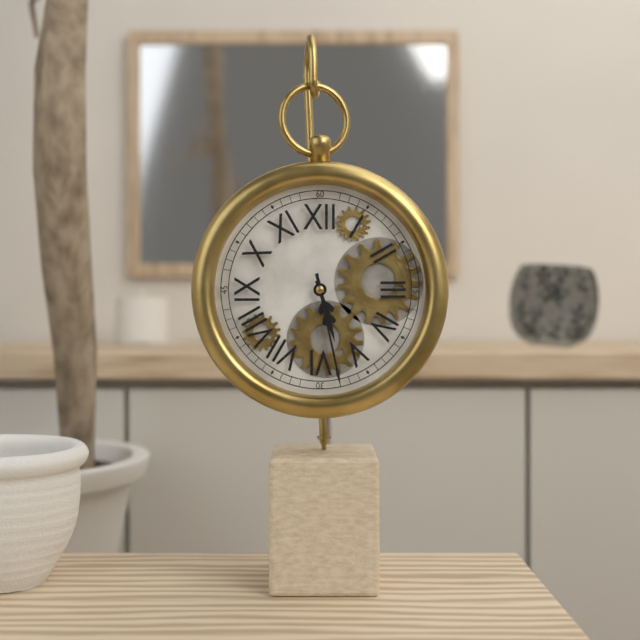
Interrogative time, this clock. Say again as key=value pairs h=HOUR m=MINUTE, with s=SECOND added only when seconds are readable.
h=5 m=28
